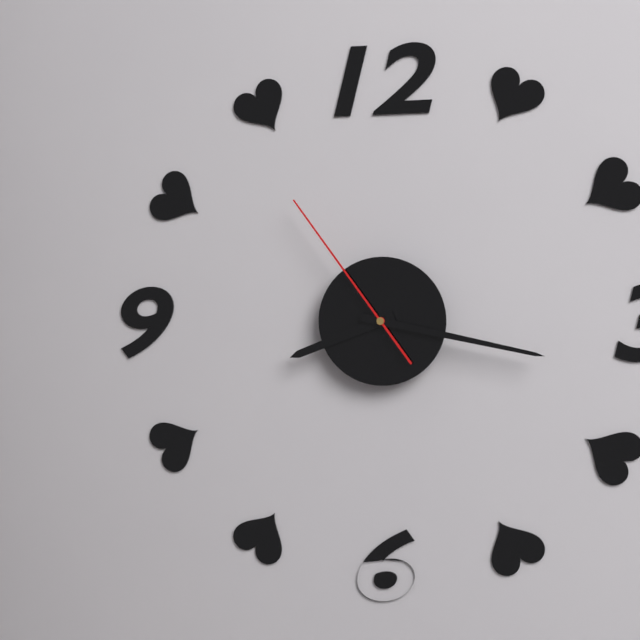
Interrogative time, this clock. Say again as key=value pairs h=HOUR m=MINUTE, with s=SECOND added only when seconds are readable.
h=8 m=17 s=54
